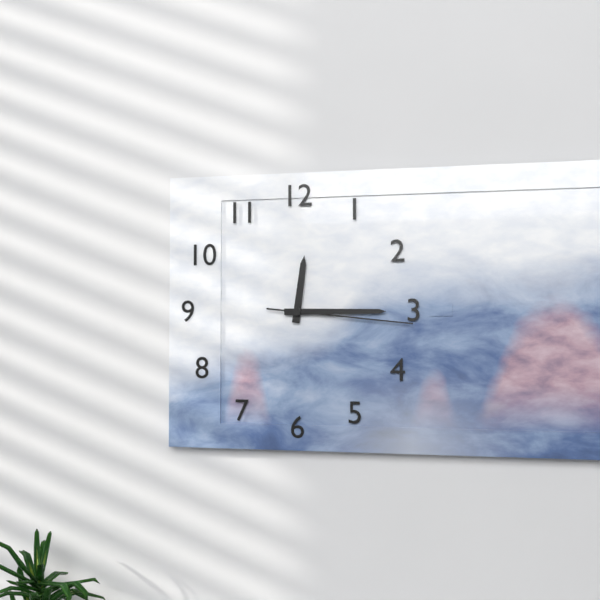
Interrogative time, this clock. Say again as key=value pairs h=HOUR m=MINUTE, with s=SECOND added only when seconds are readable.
h=12 m=15 s=16
